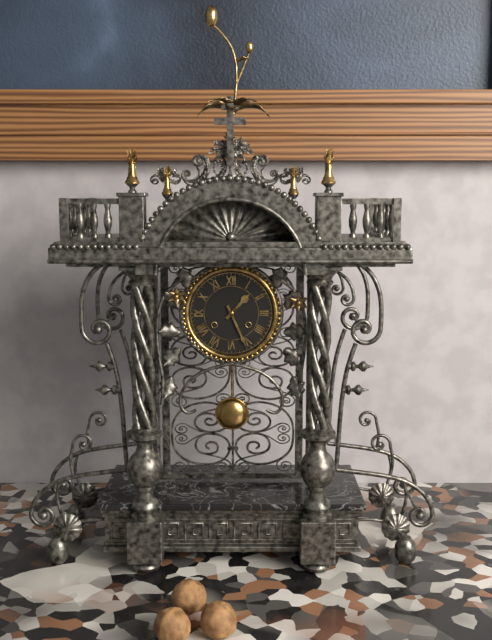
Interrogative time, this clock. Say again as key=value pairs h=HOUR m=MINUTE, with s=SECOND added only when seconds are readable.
h=1 m=26
